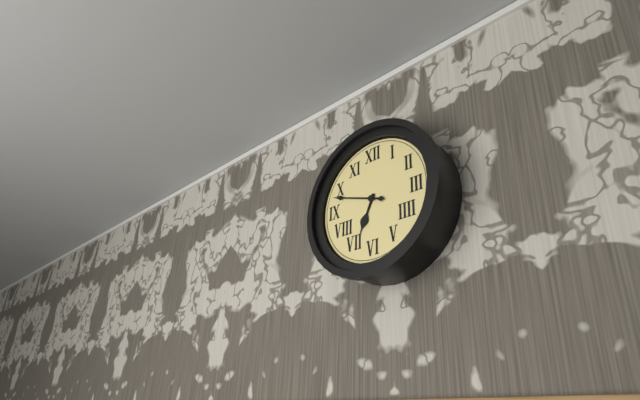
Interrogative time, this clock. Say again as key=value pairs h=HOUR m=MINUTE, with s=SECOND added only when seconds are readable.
h=6 m=48
